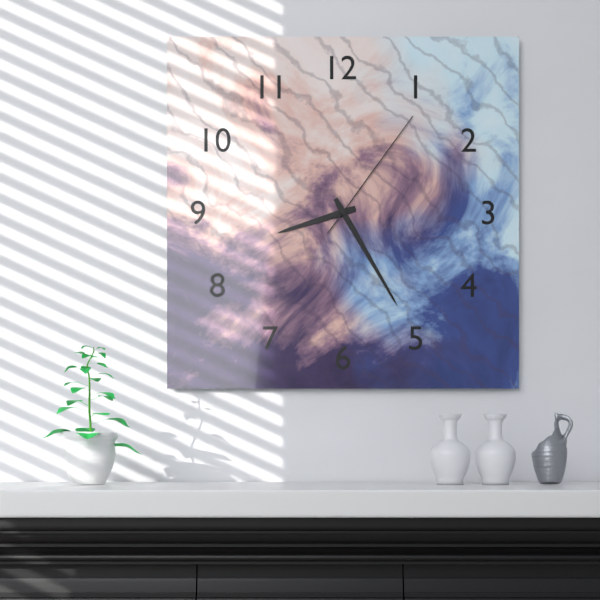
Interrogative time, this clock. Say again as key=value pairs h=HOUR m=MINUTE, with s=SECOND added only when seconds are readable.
h=8 m=25 s=6
